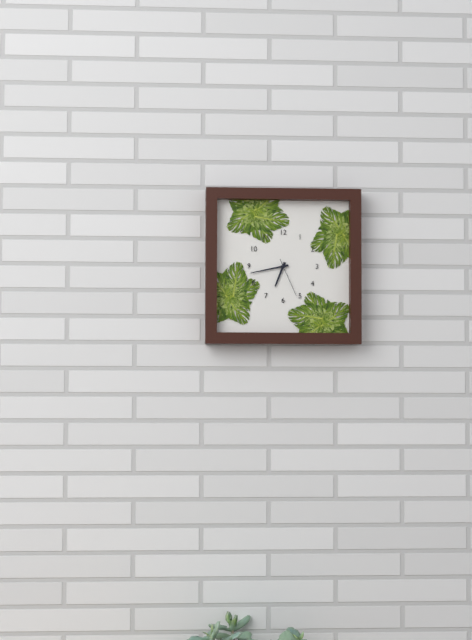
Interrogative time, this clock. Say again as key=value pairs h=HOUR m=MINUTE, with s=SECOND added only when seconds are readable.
h=6 m=43
